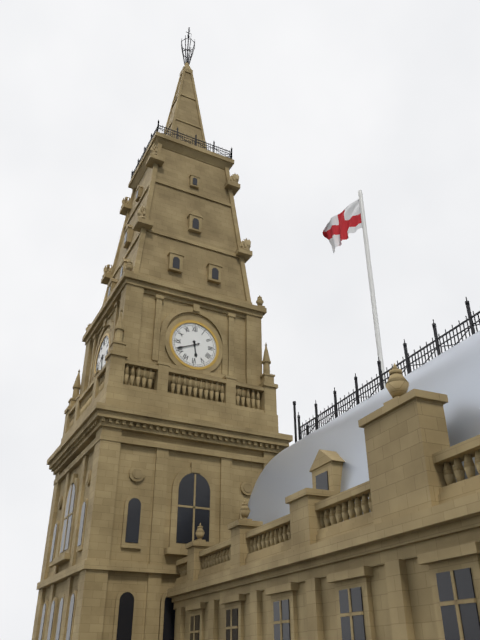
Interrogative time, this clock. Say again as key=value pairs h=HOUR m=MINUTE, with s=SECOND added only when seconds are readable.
h=5 m=41
